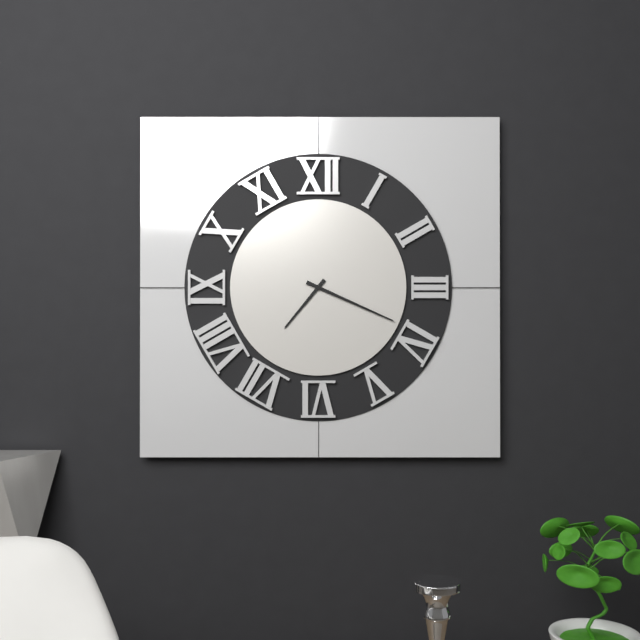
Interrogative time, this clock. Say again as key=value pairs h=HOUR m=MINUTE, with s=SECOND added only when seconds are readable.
h=7 m=19
